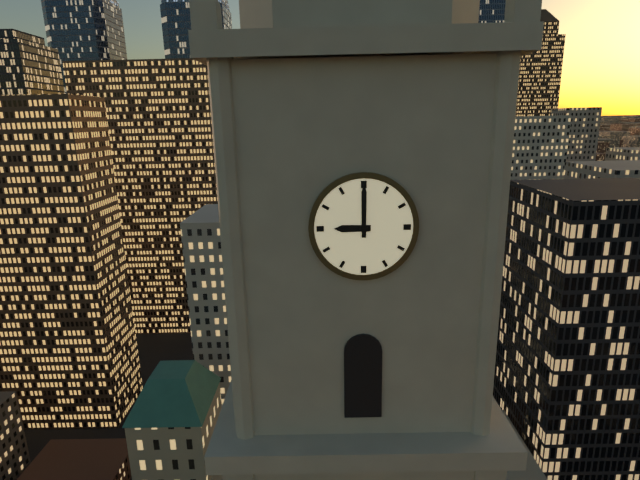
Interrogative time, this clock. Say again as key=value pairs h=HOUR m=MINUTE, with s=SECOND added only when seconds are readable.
h=9 m=0
